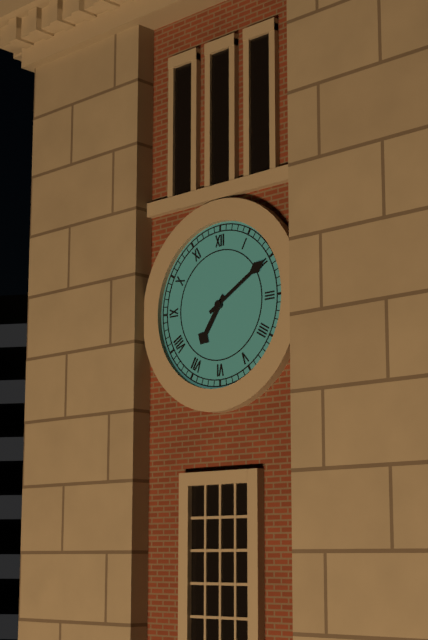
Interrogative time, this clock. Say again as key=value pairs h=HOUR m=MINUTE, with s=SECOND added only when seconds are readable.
h=7 m=10
